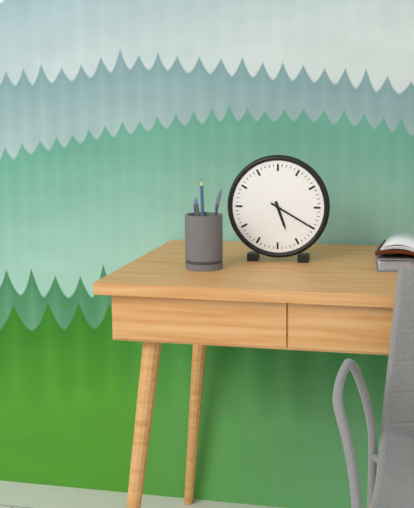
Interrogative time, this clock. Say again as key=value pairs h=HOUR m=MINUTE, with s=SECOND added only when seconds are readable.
h=5 m=20
